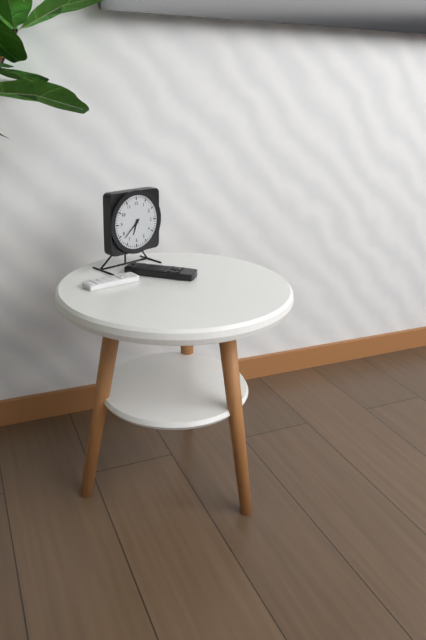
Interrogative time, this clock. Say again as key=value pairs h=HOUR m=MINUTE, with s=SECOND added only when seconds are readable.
h=6 m=38
